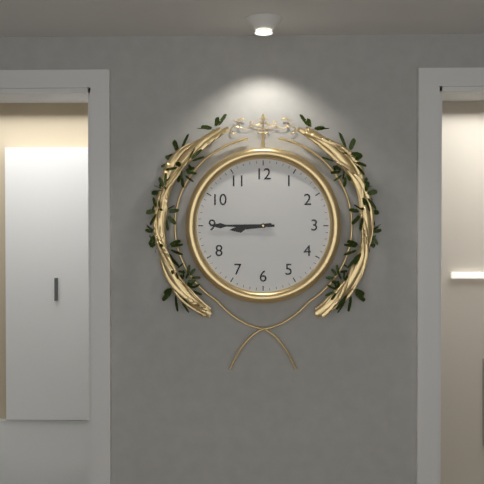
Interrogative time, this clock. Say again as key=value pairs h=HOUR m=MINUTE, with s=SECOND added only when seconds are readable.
h=8 m=45
